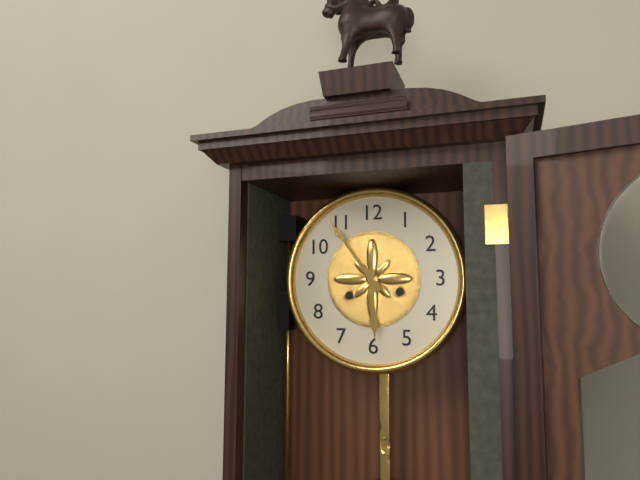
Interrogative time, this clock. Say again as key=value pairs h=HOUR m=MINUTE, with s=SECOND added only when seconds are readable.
h=5 m=54
